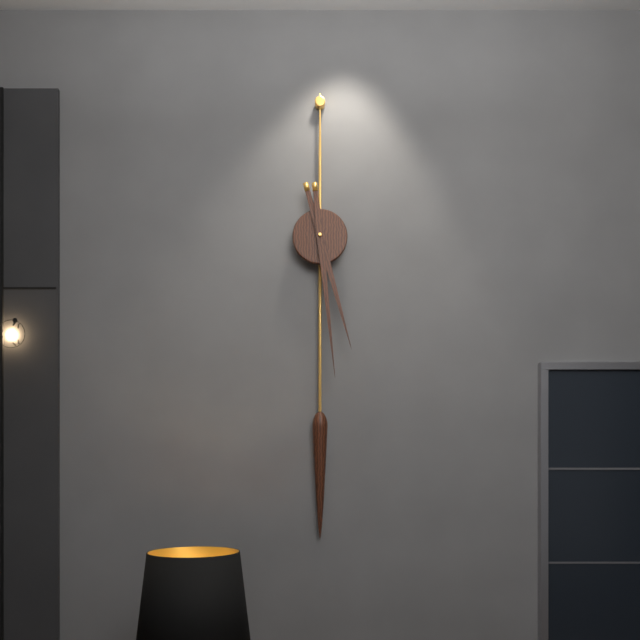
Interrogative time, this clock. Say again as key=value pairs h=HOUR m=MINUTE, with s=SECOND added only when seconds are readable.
h=5 m=29
